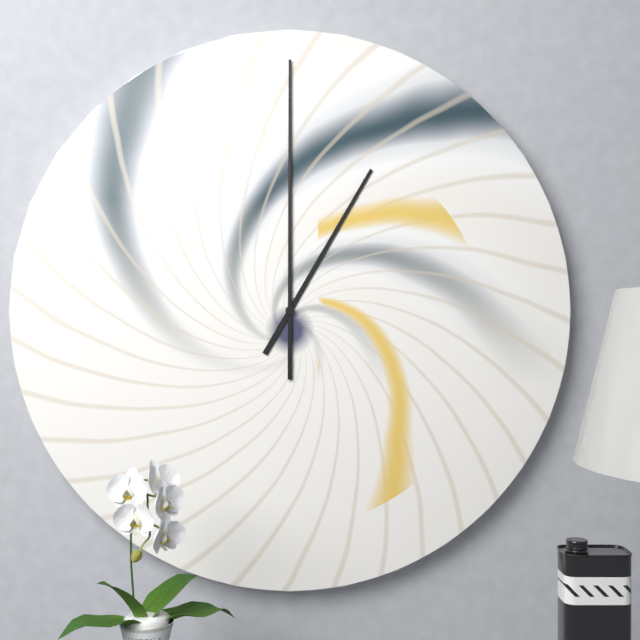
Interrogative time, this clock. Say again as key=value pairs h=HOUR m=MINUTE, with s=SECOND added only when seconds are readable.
h=1 m=0
